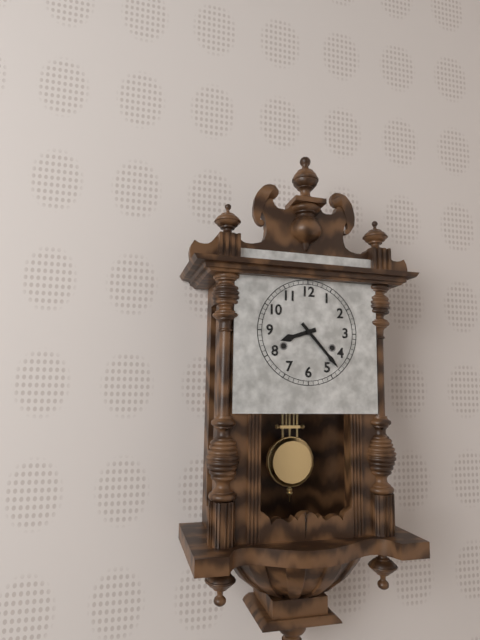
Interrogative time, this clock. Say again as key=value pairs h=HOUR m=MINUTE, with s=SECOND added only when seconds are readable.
h=8 m=23
